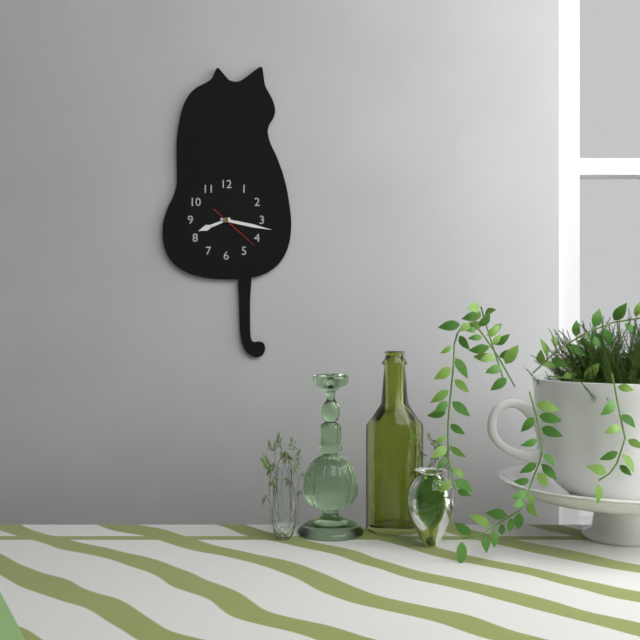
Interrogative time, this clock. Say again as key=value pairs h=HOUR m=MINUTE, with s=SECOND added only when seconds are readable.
h=8 m=17
